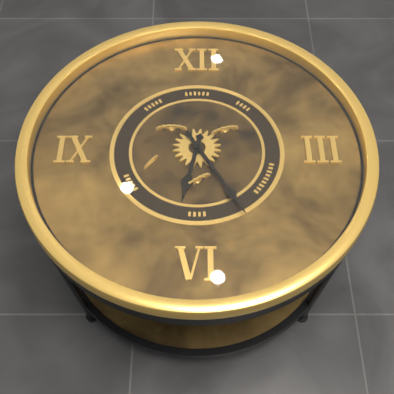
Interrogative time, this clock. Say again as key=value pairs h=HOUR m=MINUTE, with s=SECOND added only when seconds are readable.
h=6 m=25
